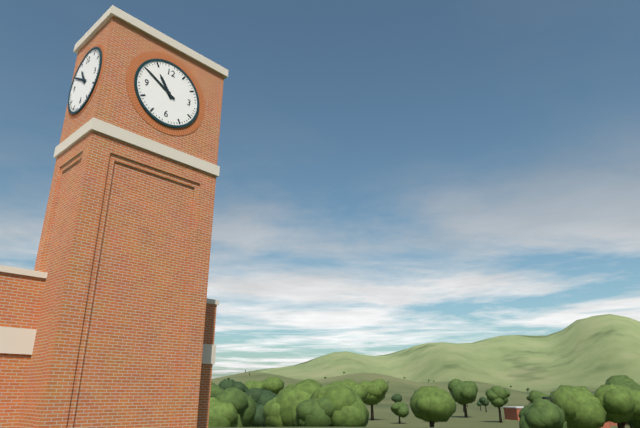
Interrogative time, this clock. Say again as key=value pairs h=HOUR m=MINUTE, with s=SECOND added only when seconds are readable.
h=10 m=50
